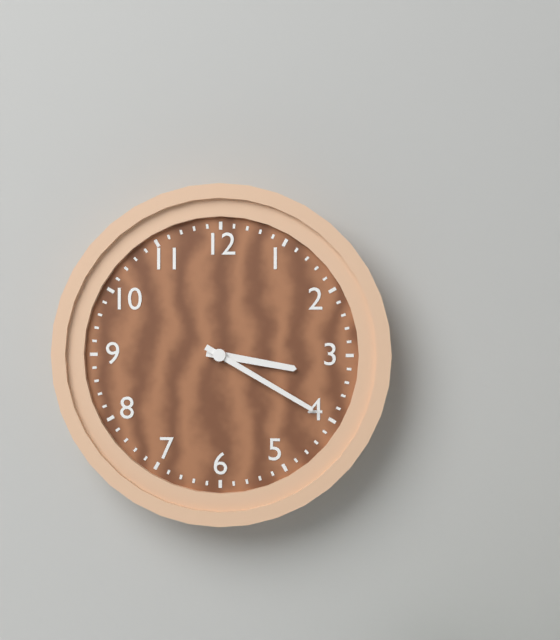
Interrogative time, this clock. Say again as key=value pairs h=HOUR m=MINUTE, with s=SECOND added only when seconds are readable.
h=3 m=20
